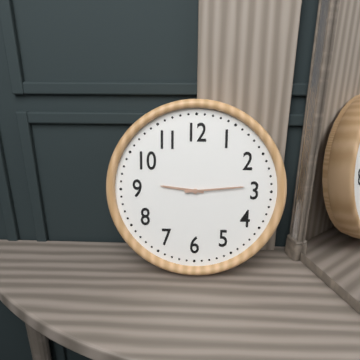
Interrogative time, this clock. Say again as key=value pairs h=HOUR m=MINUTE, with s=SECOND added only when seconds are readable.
h=9 m=14
